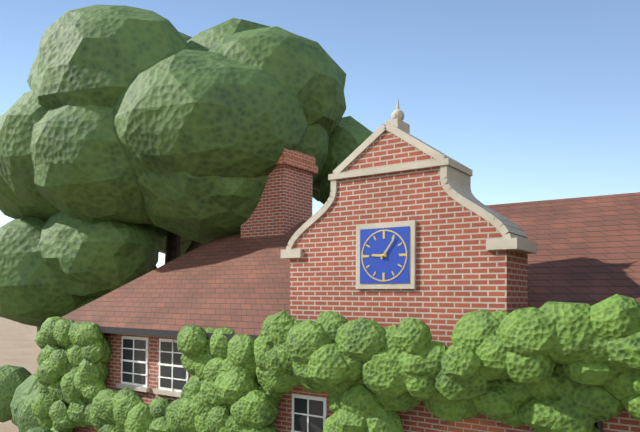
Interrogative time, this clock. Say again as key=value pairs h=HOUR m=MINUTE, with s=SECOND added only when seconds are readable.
h=9 m=6
